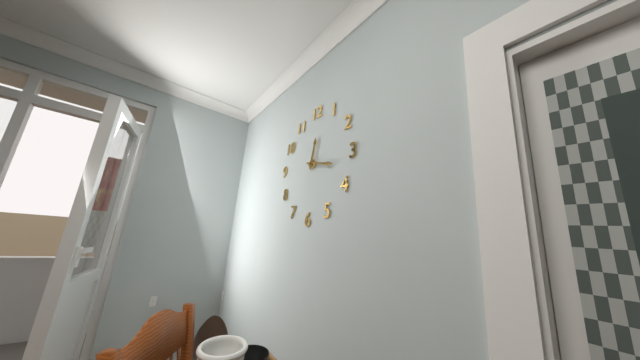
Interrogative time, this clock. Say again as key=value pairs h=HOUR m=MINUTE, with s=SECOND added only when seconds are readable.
h=12 m=17
